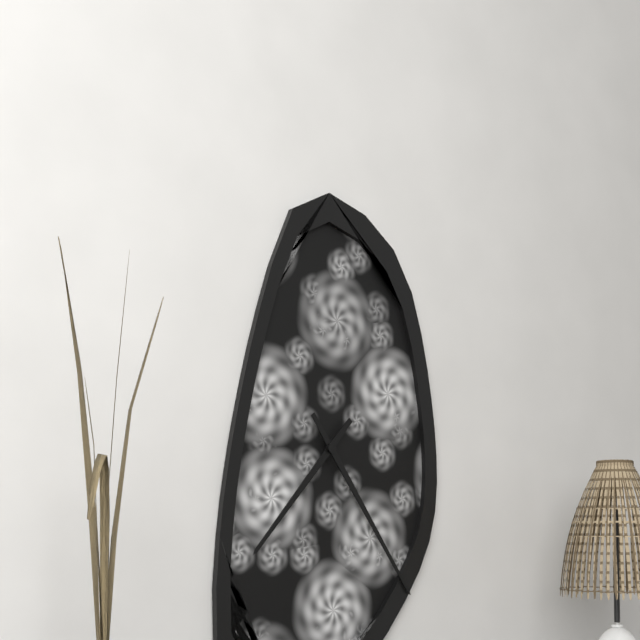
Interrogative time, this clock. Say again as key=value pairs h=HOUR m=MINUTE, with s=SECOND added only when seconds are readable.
h=7 m=24
